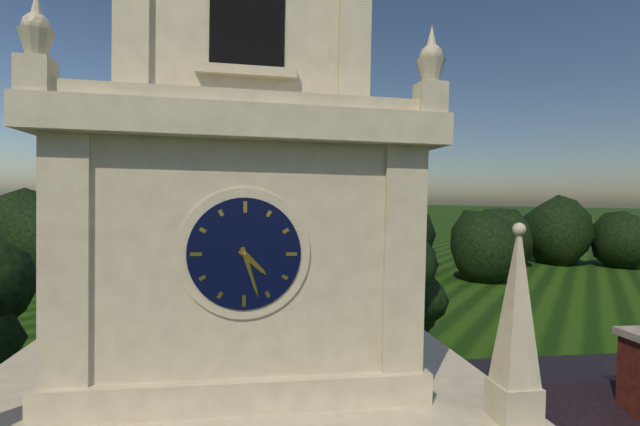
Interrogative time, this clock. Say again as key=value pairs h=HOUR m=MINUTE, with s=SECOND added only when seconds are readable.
h=4 m=27
